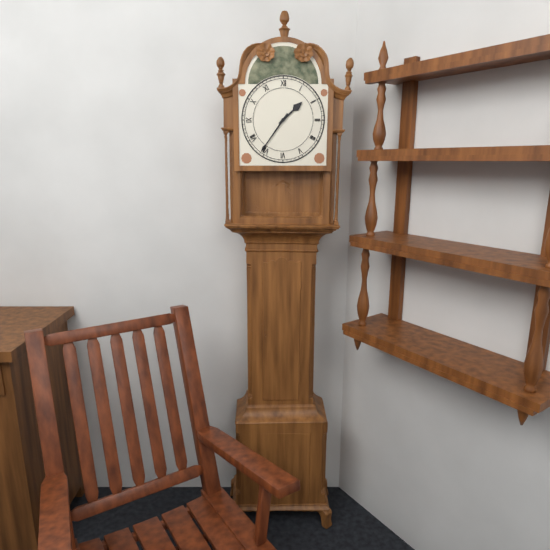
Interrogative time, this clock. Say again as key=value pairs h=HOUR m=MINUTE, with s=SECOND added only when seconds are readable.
h=1 m=36
